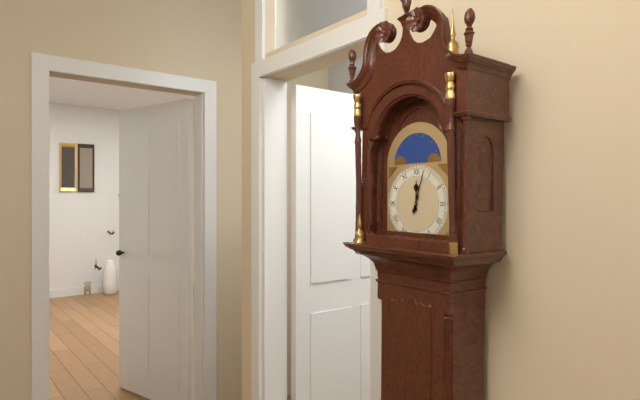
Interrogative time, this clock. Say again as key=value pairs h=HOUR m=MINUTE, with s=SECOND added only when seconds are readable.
h=12 m=3
